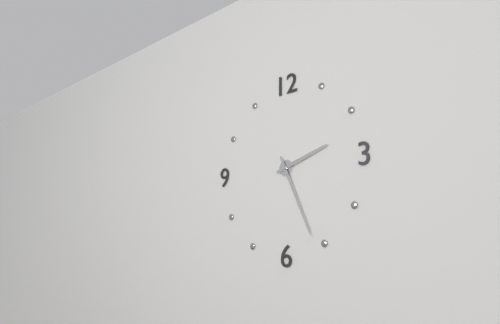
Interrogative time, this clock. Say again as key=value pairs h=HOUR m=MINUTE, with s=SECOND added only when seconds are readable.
h=2 m=26
